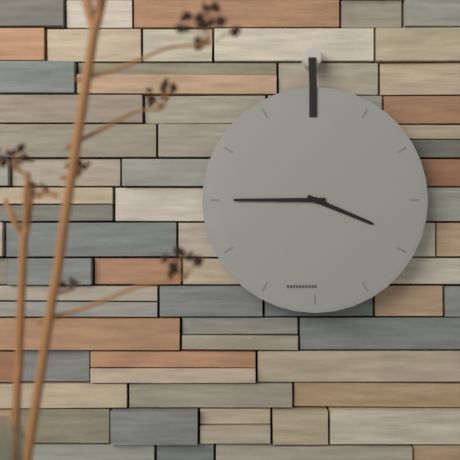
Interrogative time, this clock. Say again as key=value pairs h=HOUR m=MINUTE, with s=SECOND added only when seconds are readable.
h=3 m=45
